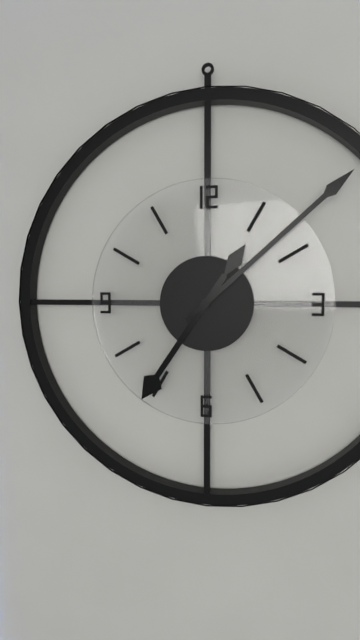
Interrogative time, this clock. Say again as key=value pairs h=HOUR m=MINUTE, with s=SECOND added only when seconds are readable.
h=7 m=8
